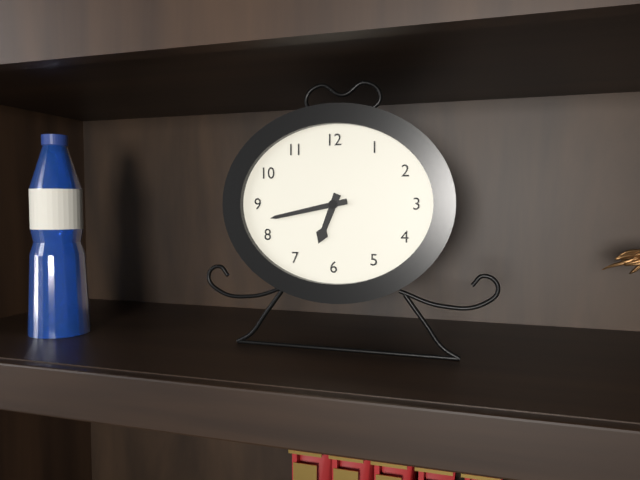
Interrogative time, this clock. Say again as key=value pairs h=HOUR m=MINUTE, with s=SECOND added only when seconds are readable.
h=6 m=43
